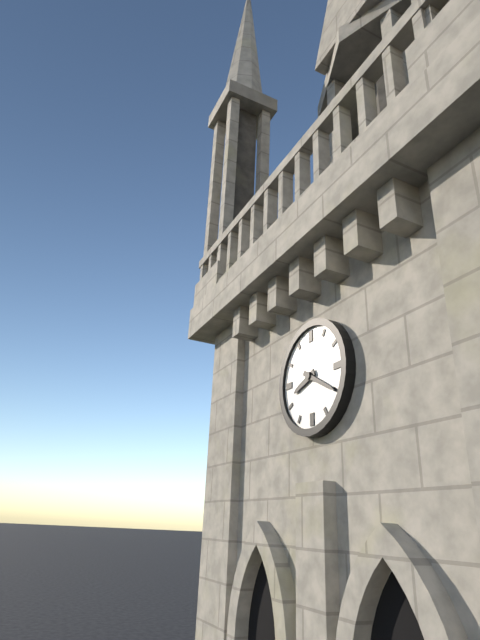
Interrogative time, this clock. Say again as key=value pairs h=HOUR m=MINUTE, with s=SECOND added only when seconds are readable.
h=8 m=20
